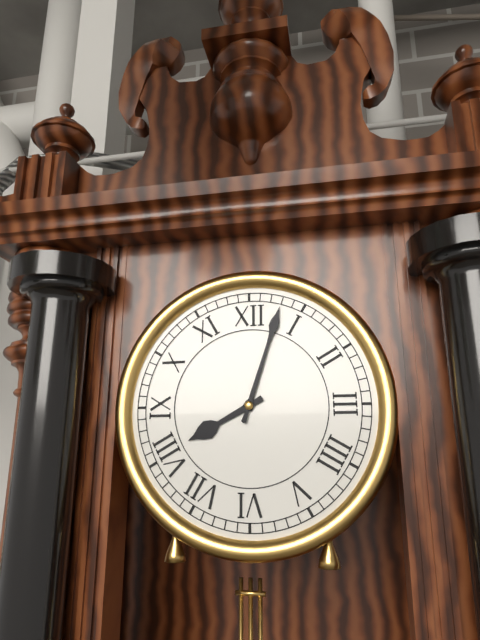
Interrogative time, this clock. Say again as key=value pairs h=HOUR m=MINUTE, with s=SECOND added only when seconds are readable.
h=8 m=3
